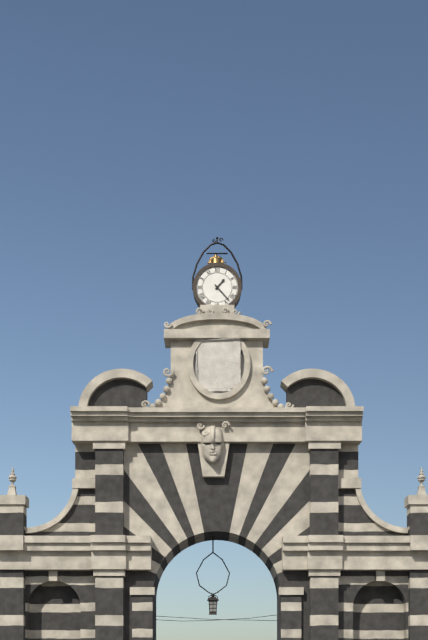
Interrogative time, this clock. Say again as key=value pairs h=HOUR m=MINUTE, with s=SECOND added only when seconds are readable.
h=1 m=23
